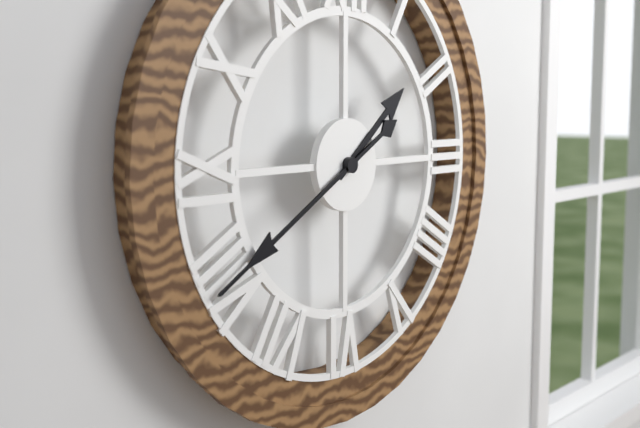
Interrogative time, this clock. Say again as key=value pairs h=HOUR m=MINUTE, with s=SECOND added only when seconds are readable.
h=1 m=40
